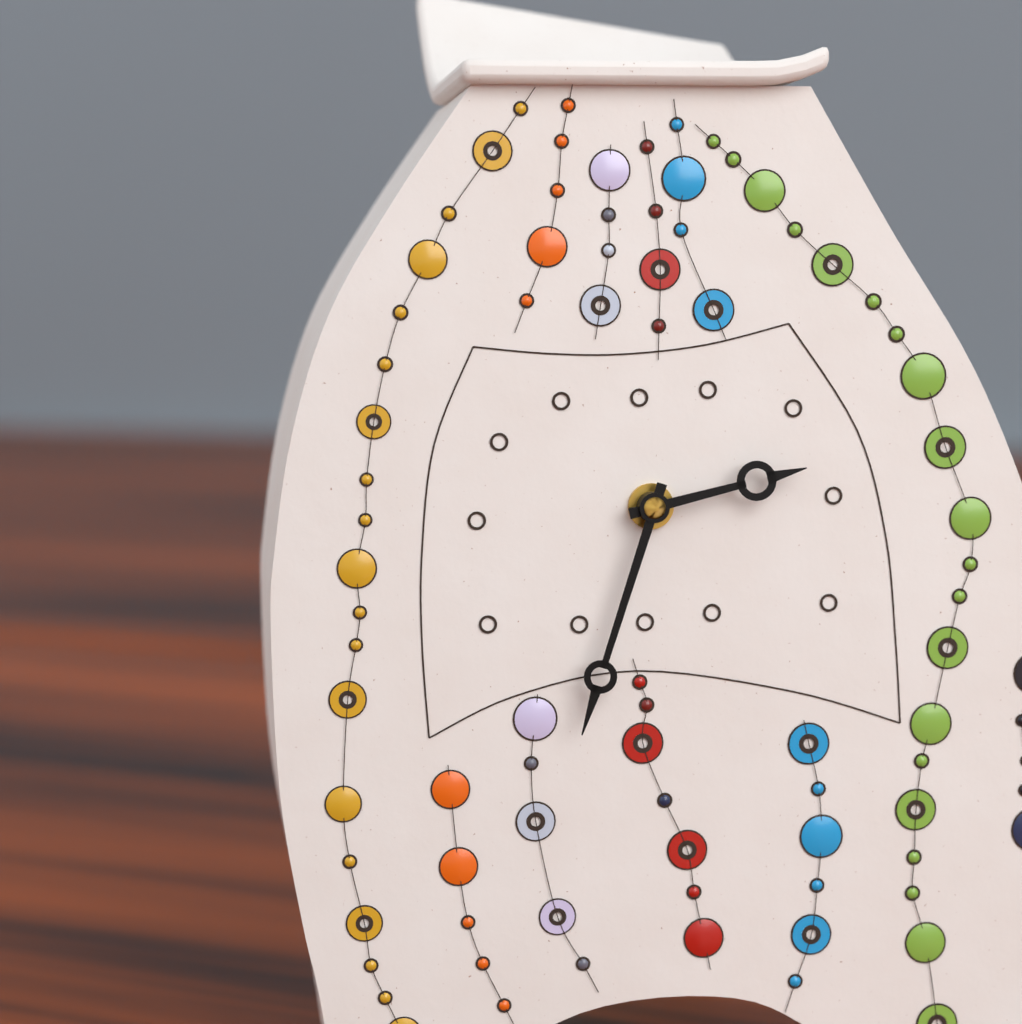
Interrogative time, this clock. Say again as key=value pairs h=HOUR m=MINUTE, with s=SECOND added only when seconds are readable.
h=2 m=33
